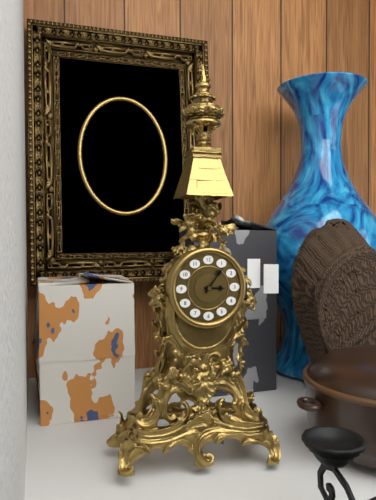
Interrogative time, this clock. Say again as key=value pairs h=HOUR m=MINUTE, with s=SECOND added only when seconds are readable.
h=3 m=6
